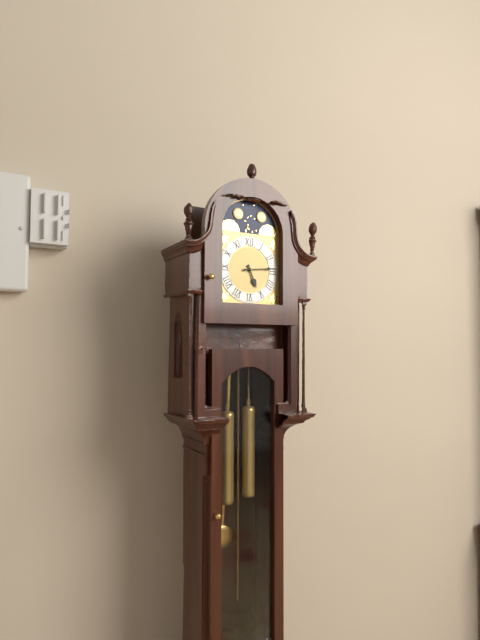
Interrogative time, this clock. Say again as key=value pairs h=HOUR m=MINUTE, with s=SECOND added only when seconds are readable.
h=5 m=14
